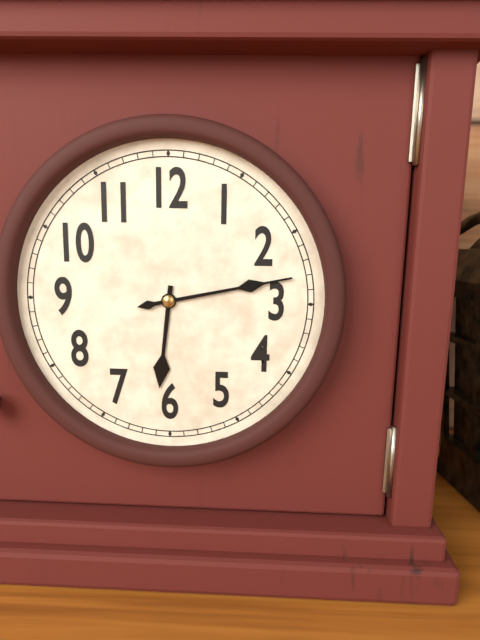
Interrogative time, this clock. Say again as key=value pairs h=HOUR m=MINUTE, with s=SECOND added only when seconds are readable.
h=6 m=13
